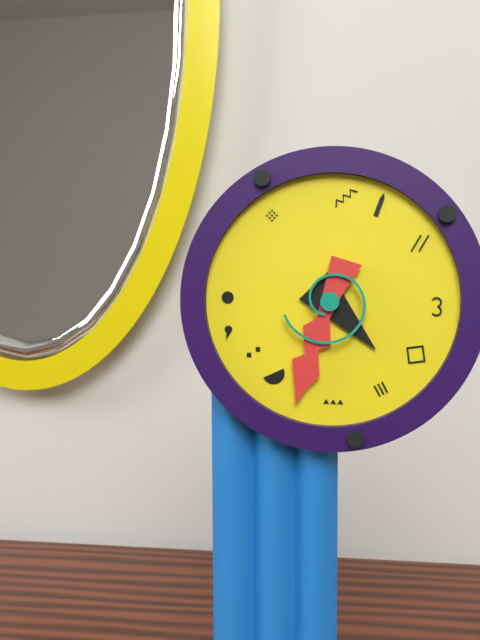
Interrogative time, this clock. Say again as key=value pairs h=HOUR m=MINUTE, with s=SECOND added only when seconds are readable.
h=4 m=33
